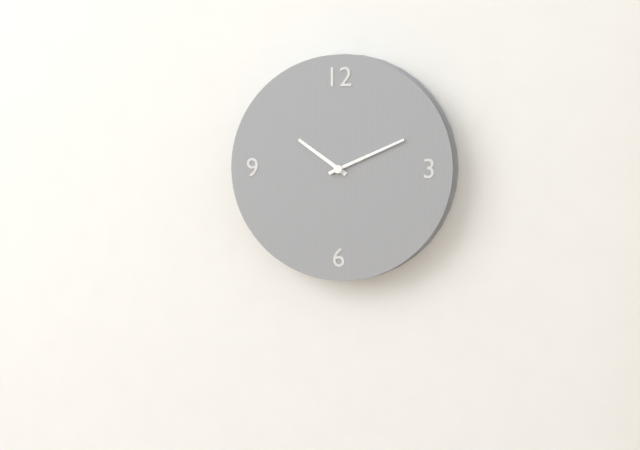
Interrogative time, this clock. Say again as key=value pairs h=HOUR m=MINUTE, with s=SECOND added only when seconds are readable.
h=10 m=11
